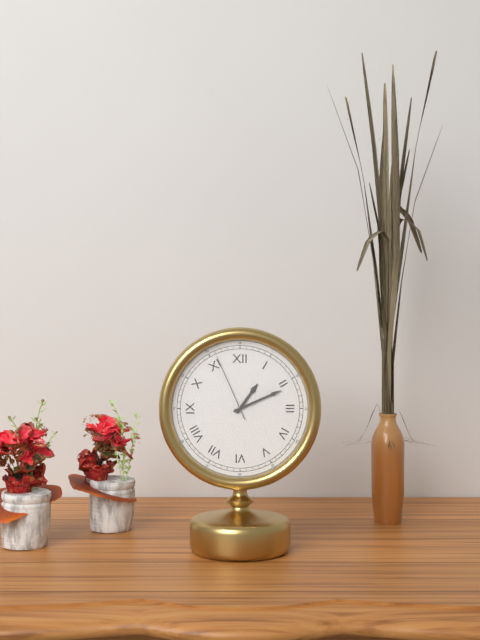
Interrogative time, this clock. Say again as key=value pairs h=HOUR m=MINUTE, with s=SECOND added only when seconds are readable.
h=1 m=11 s=56
